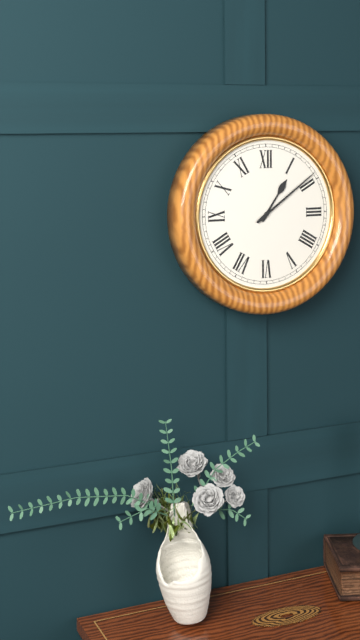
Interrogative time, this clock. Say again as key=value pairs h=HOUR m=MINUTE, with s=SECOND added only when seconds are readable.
h=1 m=9
